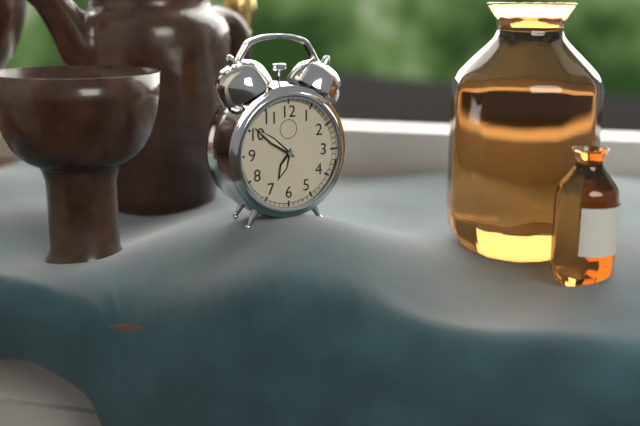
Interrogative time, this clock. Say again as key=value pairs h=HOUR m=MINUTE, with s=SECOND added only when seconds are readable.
h=6 m=51
